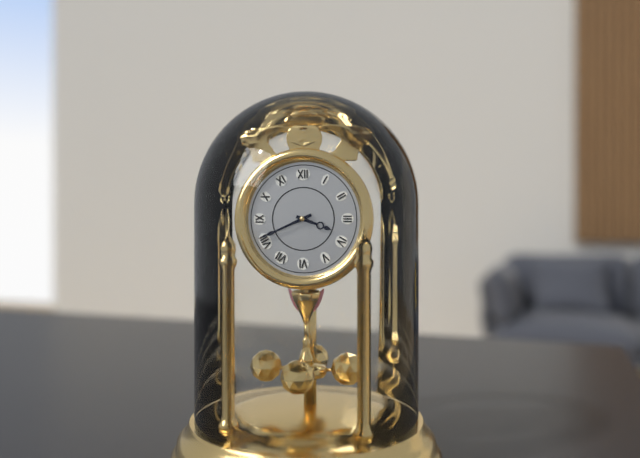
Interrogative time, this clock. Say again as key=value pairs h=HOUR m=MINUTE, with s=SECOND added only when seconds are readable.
h=3 m=41
